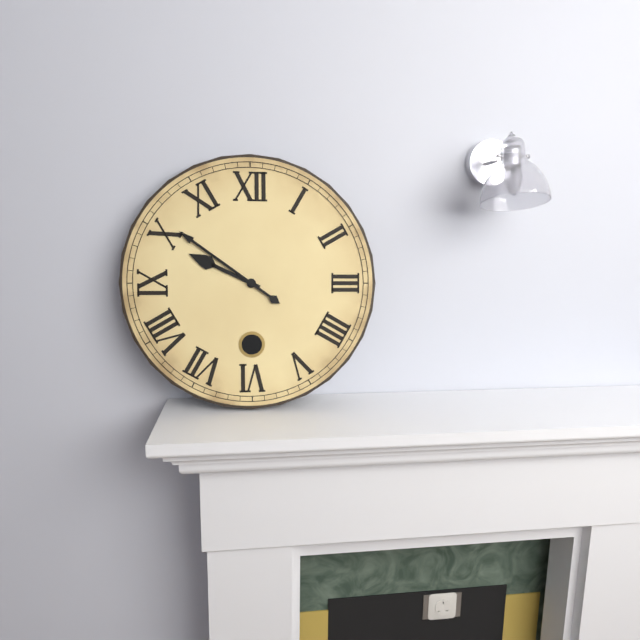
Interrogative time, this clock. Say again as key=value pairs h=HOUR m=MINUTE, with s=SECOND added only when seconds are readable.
h=9 m=51
